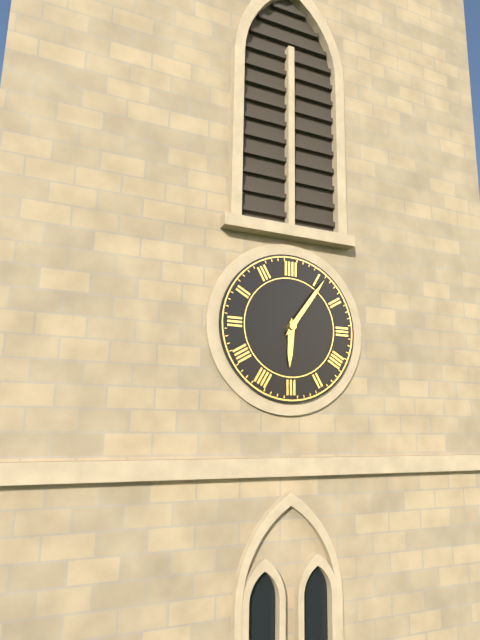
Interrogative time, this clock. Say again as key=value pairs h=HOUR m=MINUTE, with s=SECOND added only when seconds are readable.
h=6 m=6
